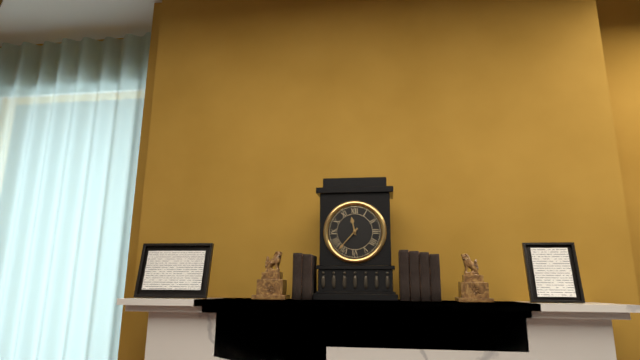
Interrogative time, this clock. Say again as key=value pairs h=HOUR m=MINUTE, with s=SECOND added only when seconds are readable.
h=11 m=37
